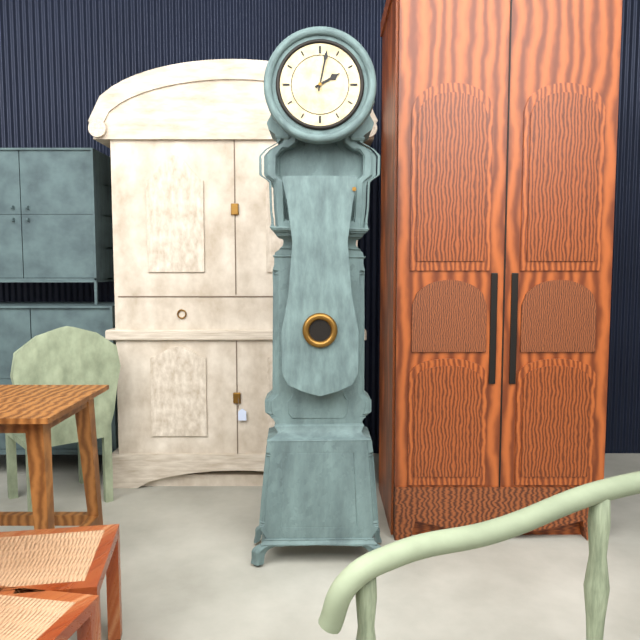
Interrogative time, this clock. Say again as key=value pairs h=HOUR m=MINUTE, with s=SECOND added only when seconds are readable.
h=2 m=2
